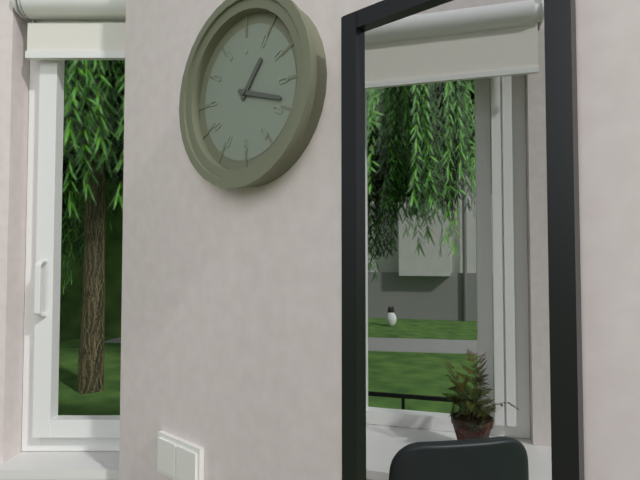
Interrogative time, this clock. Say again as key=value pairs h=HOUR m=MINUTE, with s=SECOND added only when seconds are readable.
h=1 m=18
